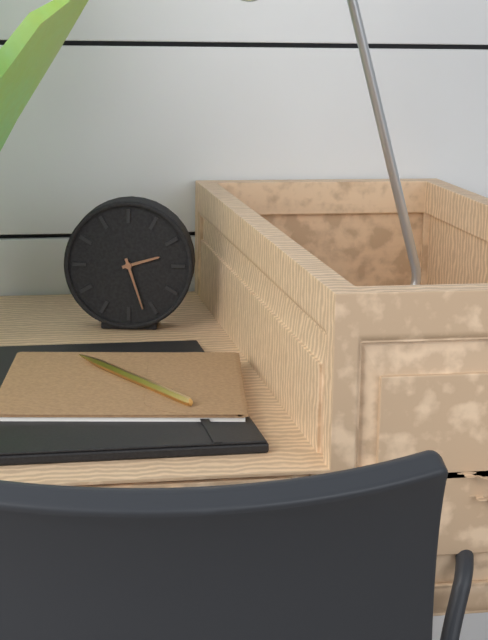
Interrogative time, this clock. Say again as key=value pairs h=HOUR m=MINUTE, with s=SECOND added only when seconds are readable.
h=2 m=27
